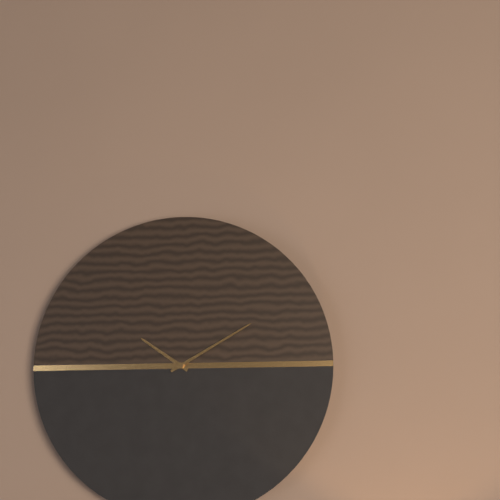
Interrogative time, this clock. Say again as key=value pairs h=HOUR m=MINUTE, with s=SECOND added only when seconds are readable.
h=10 m=10
